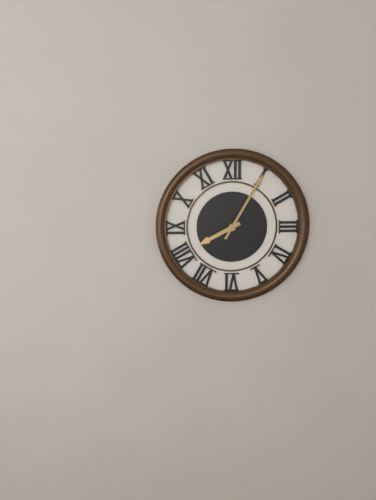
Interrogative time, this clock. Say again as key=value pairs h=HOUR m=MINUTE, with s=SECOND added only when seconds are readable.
h=8 m=5
